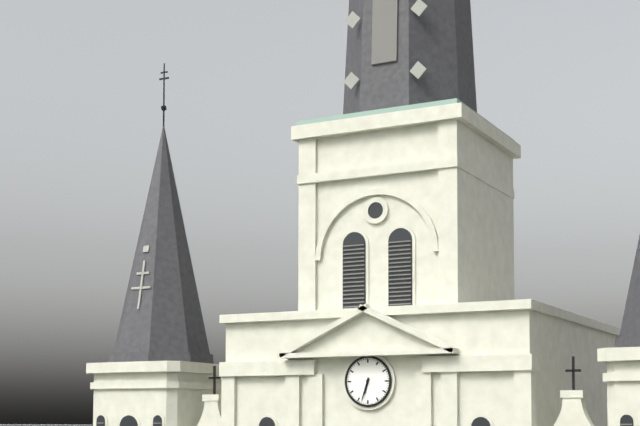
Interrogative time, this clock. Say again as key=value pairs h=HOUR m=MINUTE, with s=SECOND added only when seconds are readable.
h=6 m=33
